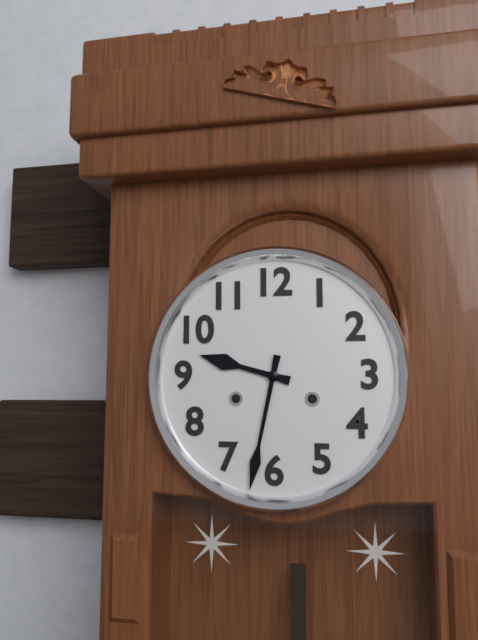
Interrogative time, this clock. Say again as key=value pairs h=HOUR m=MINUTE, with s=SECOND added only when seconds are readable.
h=9 m=32
